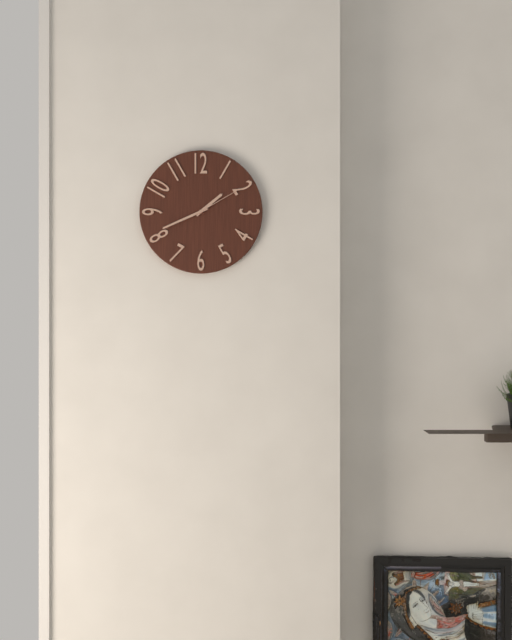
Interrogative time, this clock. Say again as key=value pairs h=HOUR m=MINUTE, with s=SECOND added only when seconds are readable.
h=1 m=41 s=10
